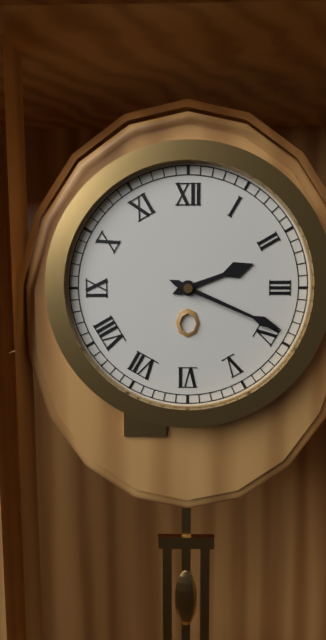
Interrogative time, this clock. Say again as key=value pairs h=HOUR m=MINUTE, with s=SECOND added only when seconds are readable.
h=2 m=19
